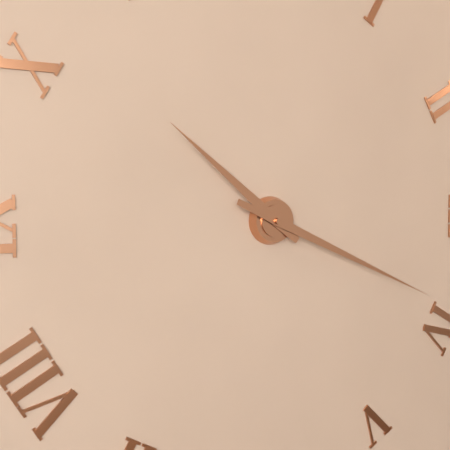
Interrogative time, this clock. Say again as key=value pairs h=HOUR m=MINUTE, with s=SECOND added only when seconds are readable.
h=10 m=19
